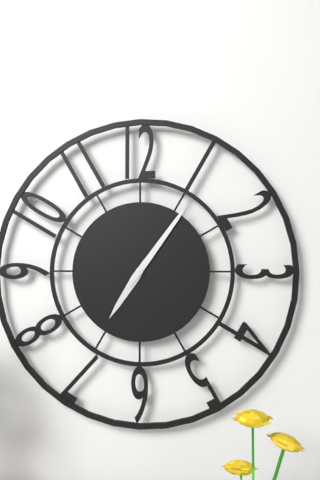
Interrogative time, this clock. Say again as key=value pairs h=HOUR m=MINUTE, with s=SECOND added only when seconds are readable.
h=7 m=6
